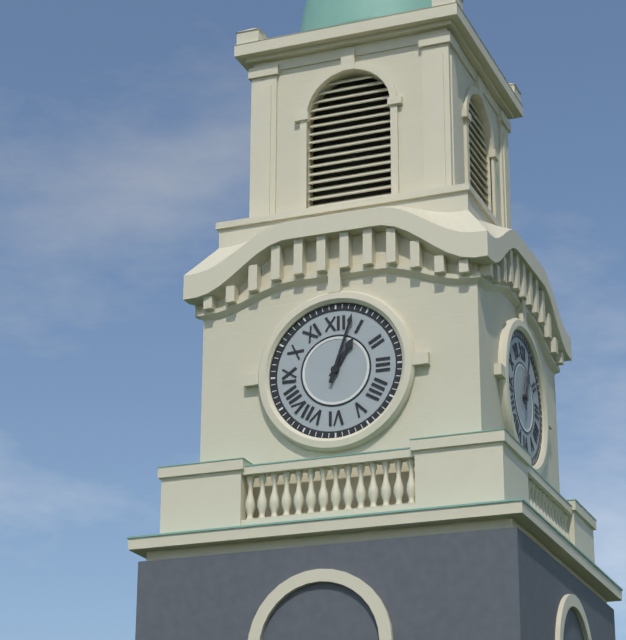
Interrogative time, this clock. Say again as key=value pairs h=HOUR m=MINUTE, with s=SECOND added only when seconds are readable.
h=1 m=3
